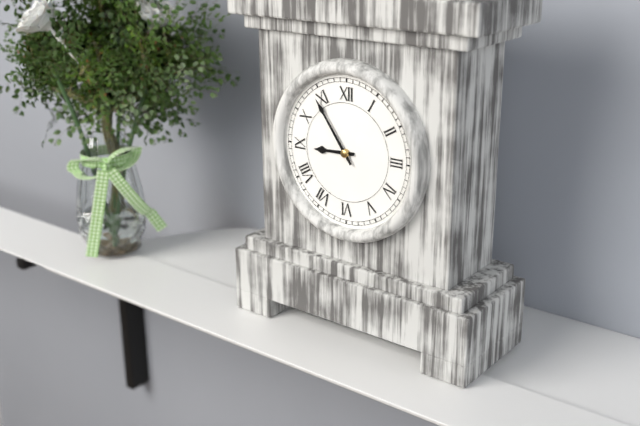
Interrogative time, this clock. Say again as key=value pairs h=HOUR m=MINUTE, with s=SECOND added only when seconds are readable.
h=8 m=54
